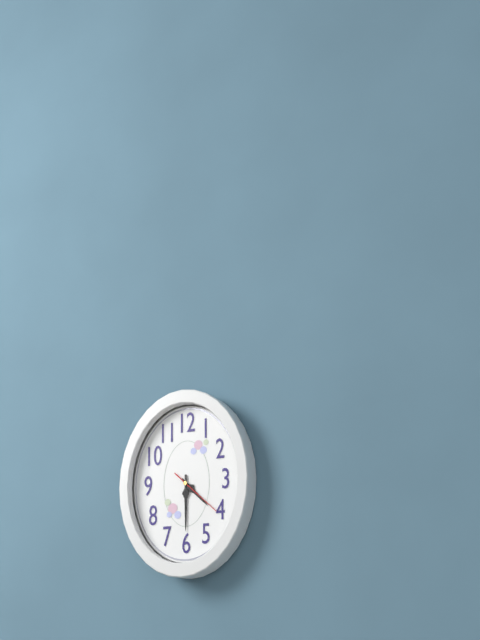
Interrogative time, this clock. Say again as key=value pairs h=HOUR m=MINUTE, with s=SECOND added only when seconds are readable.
h=4 m=30 s=22
